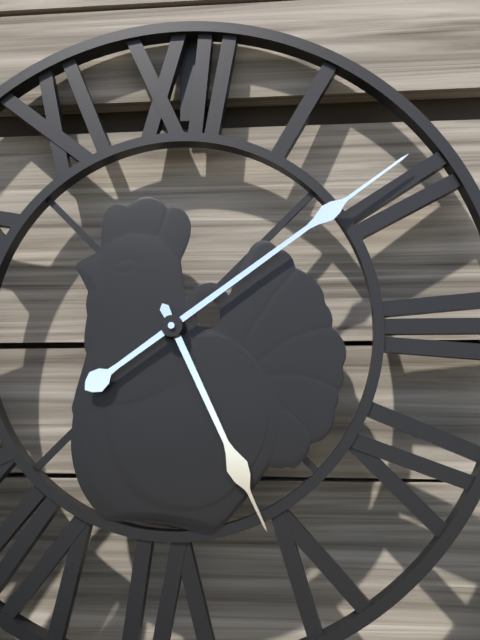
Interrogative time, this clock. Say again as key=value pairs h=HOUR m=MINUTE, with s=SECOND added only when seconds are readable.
h=5 m=9
